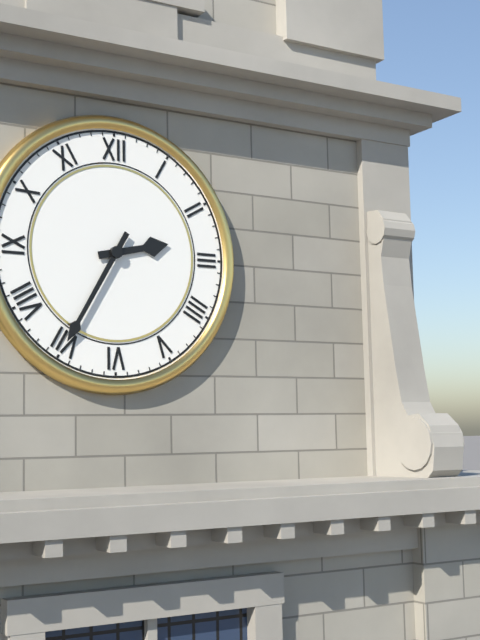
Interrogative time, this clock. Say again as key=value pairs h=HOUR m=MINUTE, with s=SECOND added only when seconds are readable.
h=2 m=35
